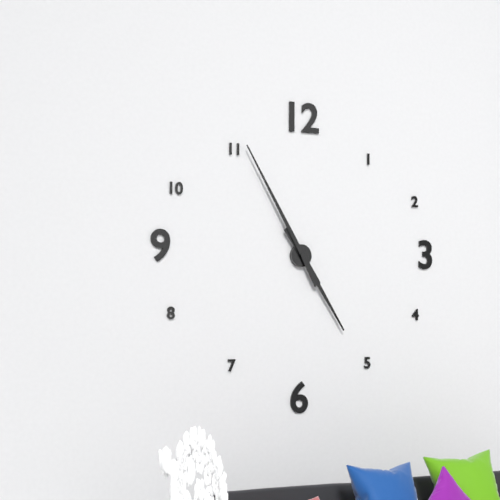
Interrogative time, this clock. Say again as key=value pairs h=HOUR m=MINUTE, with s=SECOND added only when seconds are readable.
h=4 m=55
